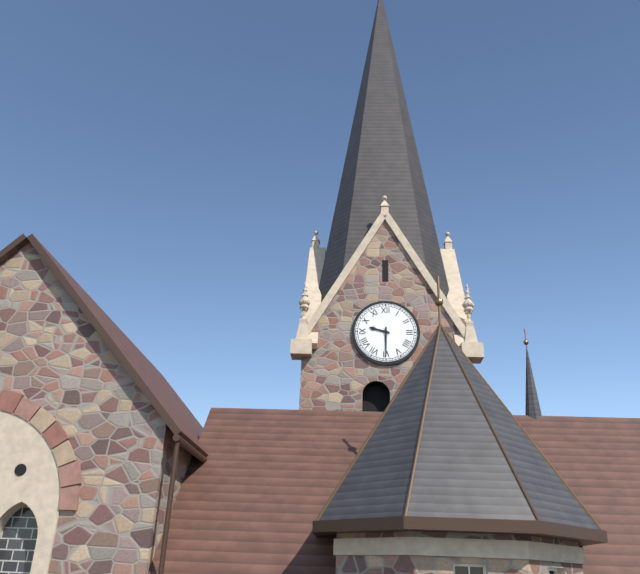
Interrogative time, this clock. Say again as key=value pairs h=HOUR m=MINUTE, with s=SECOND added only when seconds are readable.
h=9 m=30
